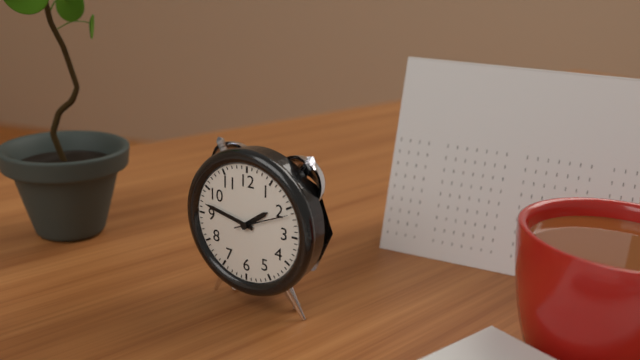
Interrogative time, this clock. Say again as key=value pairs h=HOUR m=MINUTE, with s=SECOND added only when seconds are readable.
h=1 m=47
